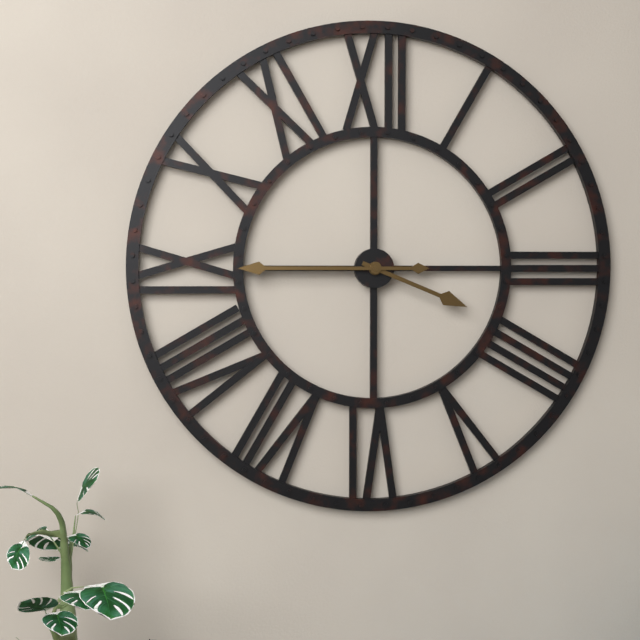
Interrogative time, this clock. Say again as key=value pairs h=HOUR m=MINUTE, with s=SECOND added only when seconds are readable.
h=3 m=45
